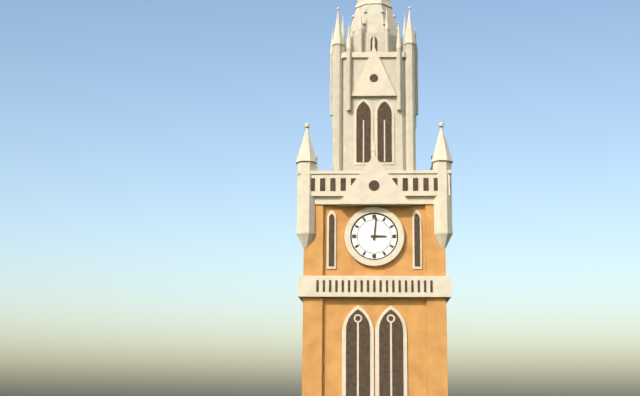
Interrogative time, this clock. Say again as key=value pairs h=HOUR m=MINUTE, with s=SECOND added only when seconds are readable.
h=3 m=1
